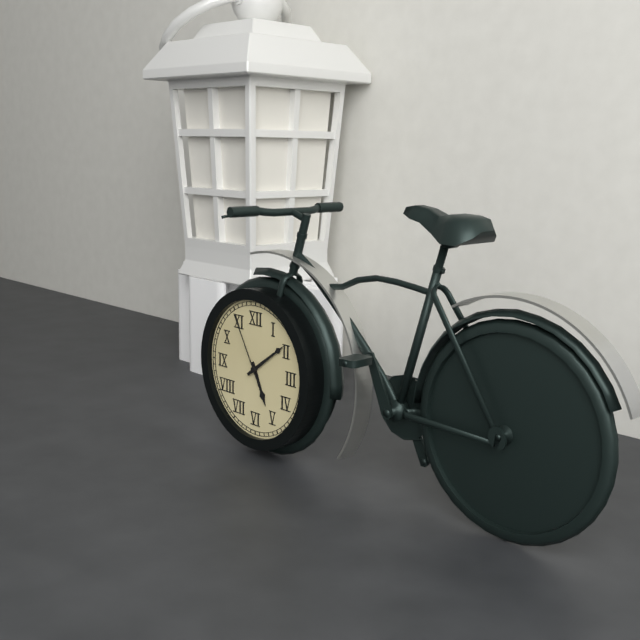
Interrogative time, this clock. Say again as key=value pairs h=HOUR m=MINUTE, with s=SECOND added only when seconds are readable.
h=5 m=9 s=55
